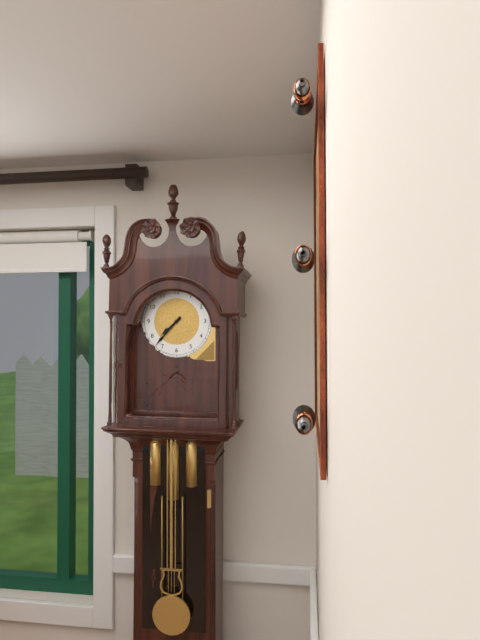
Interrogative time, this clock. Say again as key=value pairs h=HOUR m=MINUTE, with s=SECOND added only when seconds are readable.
h=7 m=37
